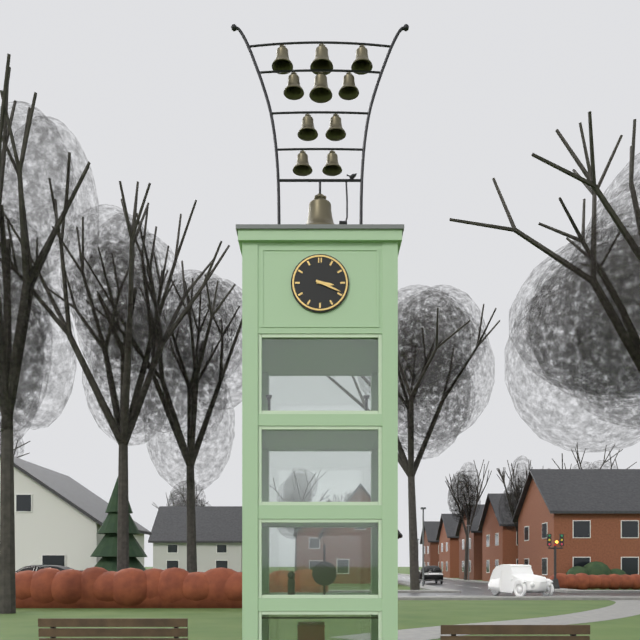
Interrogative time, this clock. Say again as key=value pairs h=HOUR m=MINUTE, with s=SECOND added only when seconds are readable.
h=3 m=19
